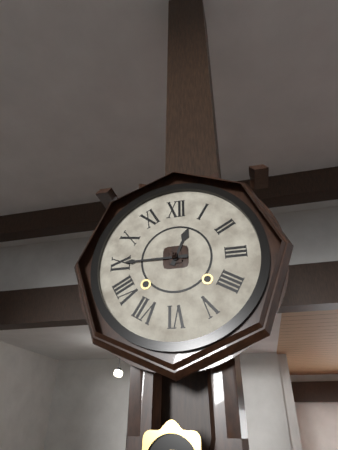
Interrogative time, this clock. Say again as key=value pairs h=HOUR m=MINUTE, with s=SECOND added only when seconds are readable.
h=12 m=45
